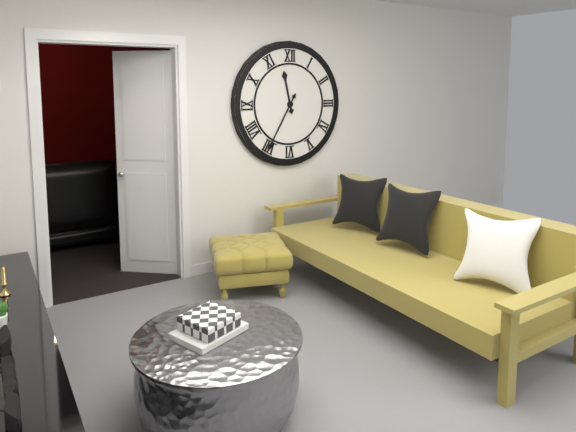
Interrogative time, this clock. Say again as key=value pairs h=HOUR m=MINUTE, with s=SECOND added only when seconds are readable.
h=11 m=35
